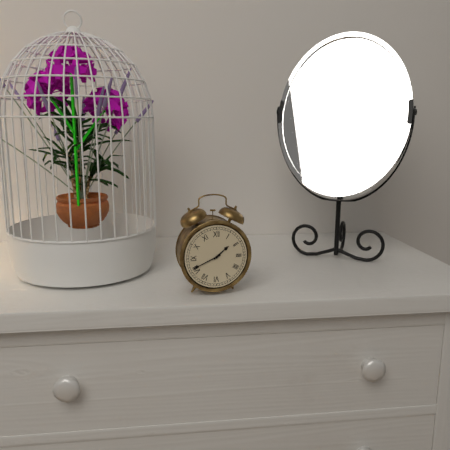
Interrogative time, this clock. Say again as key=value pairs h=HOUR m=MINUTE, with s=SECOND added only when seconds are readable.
h=1 m=41
